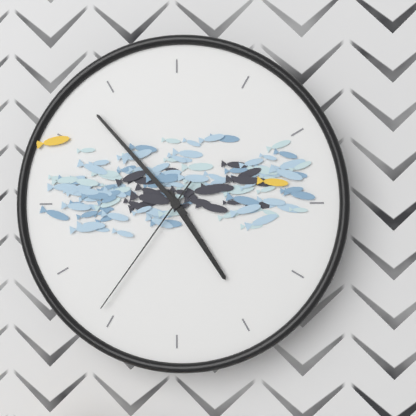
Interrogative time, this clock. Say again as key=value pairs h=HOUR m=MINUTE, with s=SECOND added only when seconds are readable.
h=4 m=53 s=36
